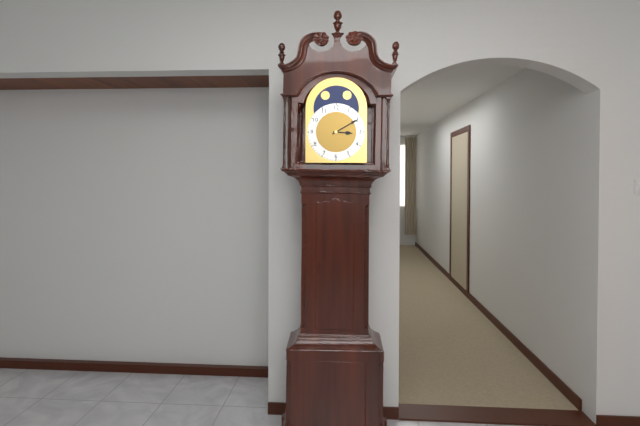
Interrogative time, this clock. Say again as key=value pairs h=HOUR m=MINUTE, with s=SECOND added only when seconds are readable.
h=3 m=10
